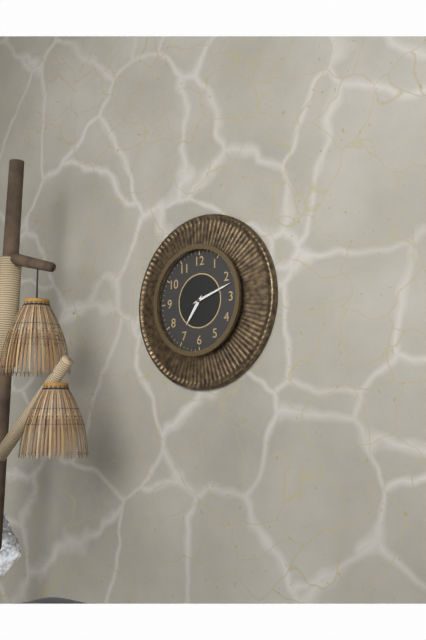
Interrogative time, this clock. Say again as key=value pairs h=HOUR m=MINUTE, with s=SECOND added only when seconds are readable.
h=7 m=12
